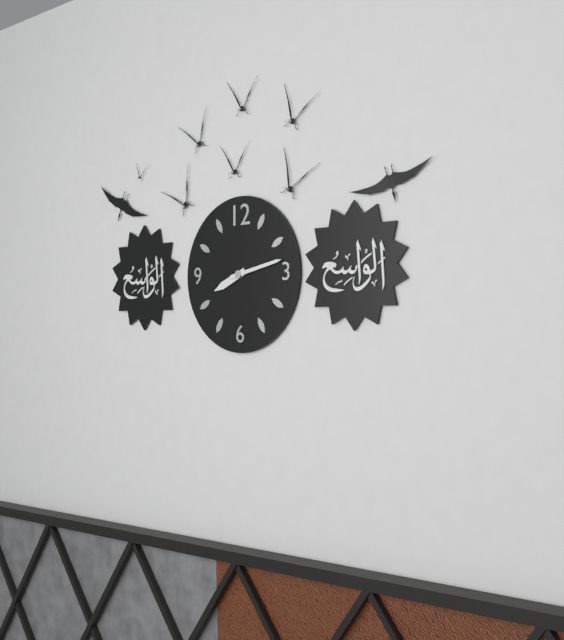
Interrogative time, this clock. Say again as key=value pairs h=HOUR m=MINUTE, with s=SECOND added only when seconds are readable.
h=8 m=13
